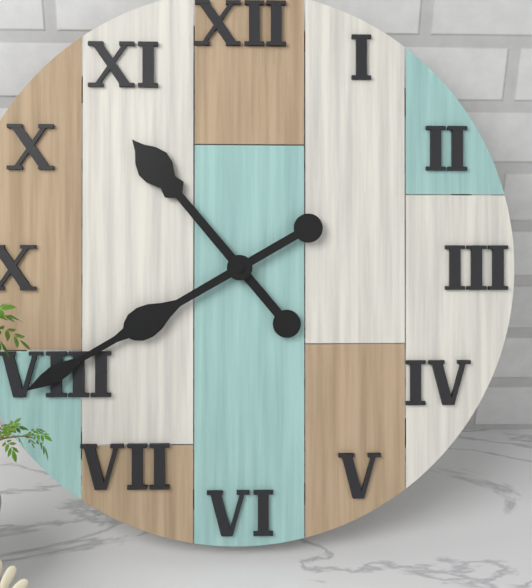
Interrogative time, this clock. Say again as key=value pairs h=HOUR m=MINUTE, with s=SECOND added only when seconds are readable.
h=10 m=40
